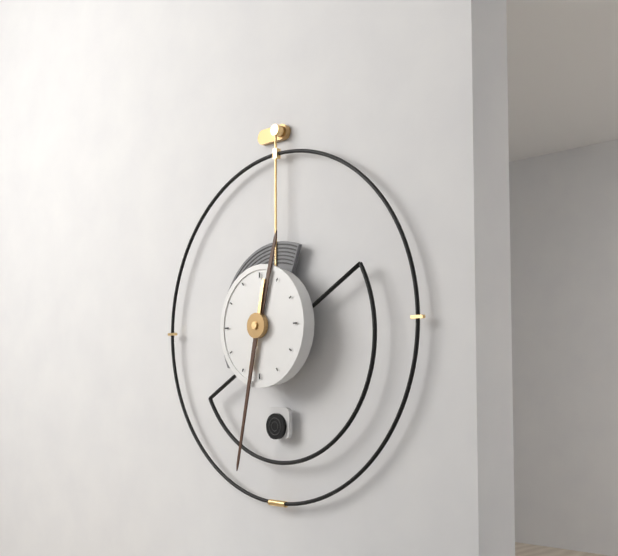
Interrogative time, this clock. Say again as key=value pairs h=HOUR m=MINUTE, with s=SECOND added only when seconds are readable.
h=12 m=32
